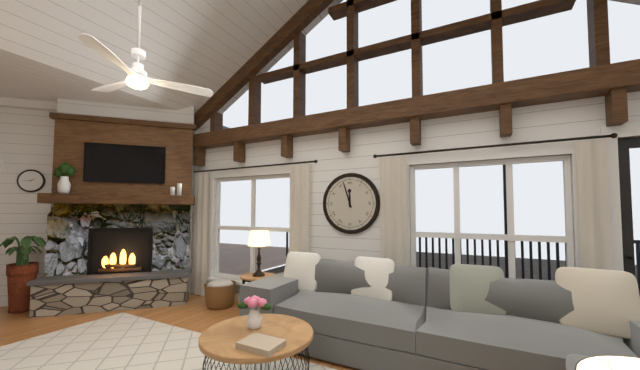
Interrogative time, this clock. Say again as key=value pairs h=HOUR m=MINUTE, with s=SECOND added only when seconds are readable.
h=11 m=57
